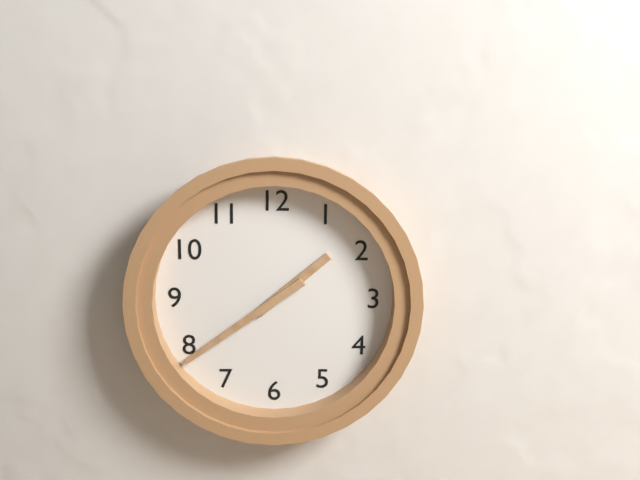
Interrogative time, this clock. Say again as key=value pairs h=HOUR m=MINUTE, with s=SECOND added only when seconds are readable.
h=1 m=39
